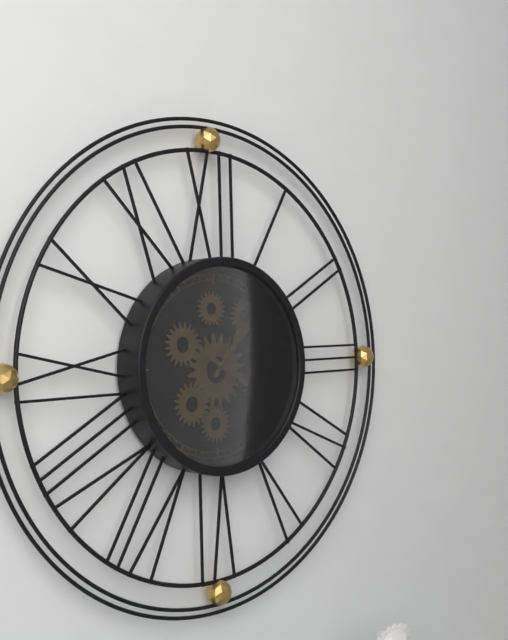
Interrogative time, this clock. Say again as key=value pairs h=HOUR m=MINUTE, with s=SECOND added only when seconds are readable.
h=1 m=20
